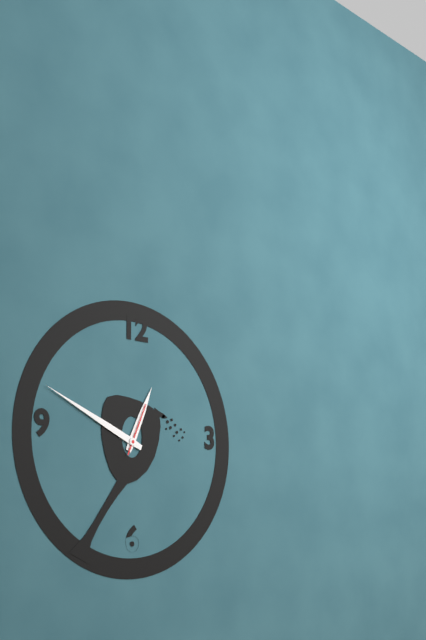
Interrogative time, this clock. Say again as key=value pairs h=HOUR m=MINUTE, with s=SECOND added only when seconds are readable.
h=12 m=49
